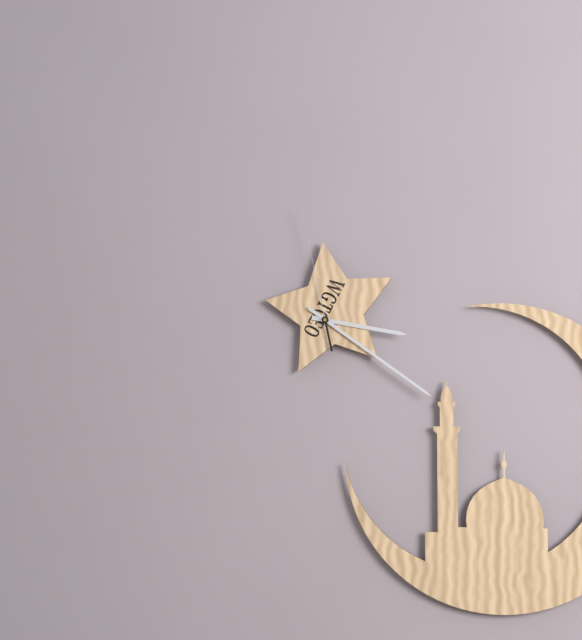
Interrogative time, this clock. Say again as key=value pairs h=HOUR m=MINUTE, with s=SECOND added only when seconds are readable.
h=3 m=21 s=58
